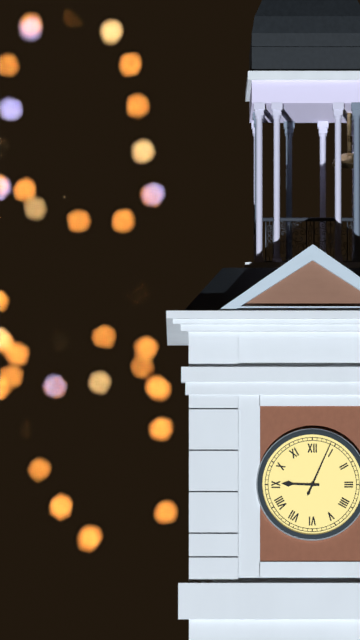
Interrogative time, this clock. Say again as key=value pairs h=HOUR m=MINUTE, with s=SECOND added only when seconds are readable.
h=9 m=4
